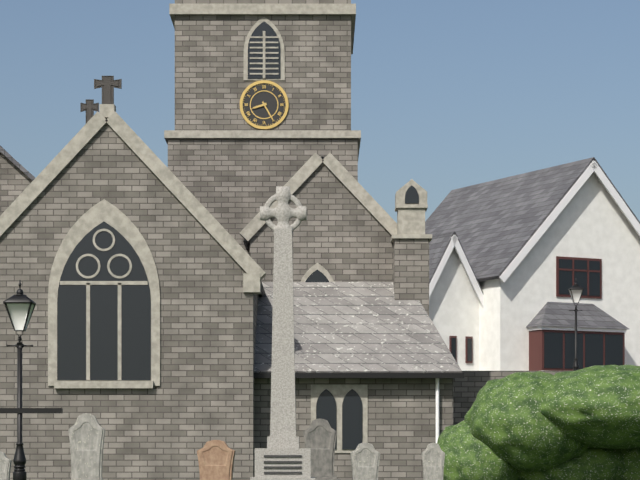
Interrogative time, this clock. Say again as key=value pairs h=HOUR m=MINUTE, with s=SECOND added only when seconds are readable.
h=8 m=25
